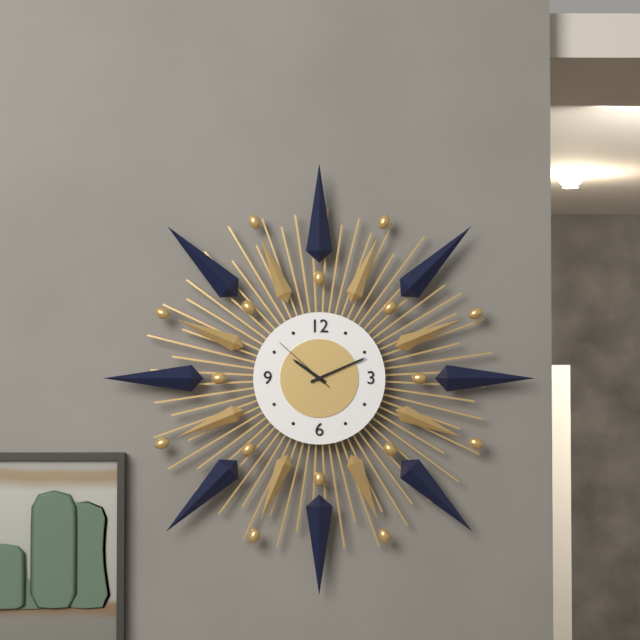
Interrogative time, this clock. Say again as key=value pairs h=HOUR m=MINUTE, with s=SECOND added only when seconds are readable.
h=10 m=11 s=52
